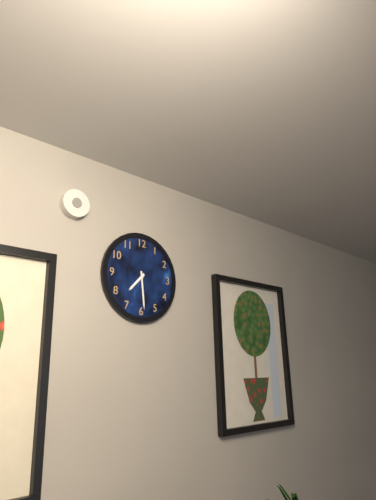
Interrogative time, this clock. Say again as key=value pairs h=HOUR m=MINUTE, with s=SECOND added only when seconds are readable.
h=7 m=29
